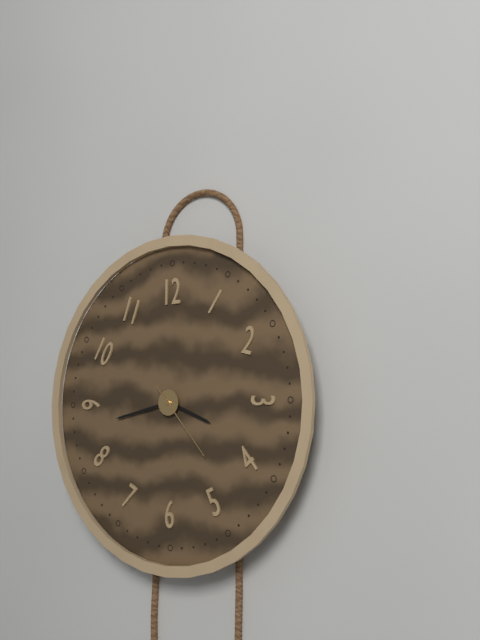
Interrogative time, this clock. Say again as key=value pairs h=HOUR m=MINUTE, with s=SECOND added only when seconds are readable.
h=3 m=43 s=23
